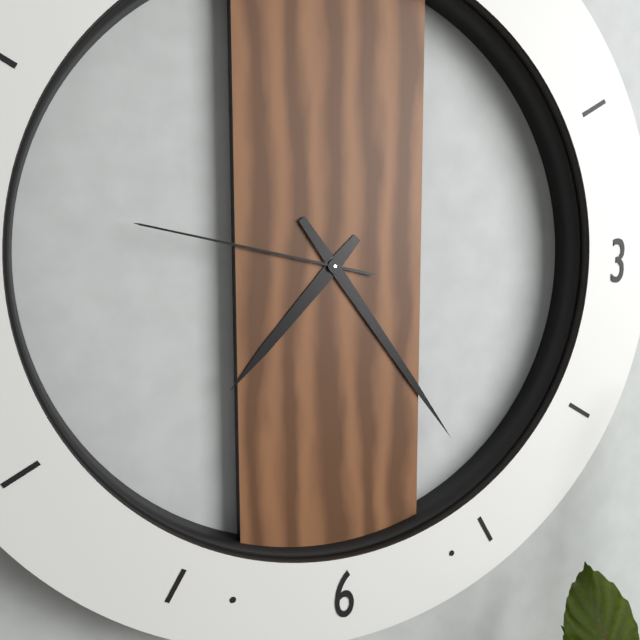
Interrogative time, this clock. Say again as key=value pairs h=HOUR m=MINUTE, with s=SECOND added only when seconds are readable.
h=7 m=24 s=47
